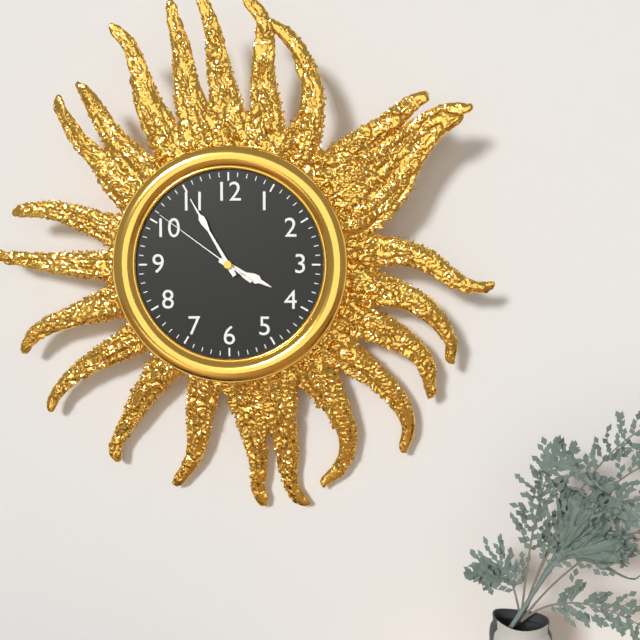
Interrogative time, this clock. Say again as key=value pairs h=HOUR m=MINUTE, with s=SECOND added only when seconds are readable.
h=3 m=55 s=51
